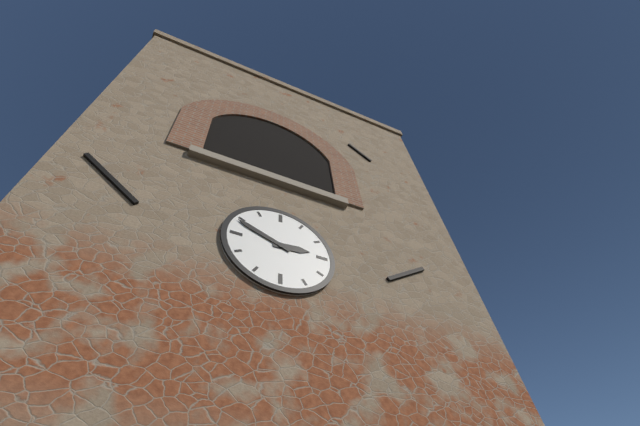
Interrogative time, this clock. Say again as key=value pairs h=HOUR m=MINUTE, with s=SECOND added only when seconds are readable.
h=2 m=49
